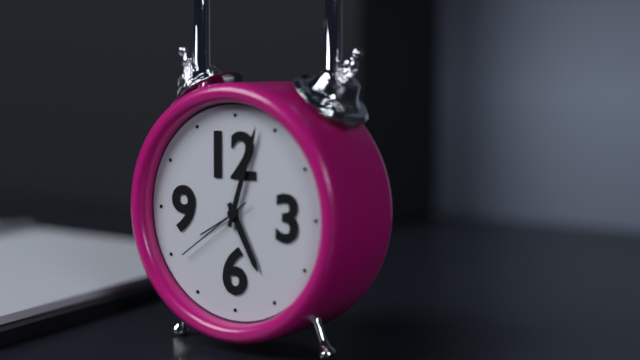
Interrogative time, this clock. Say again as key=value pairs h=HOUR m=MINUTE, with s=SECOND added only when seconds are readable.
h=5 m=3 s=39
